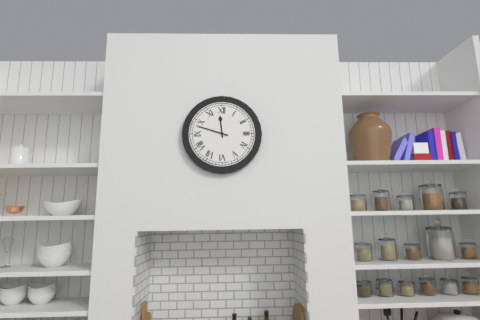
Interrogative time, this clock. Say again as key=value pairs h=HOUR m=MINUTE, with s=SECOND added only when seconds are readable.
h=11 m=48
